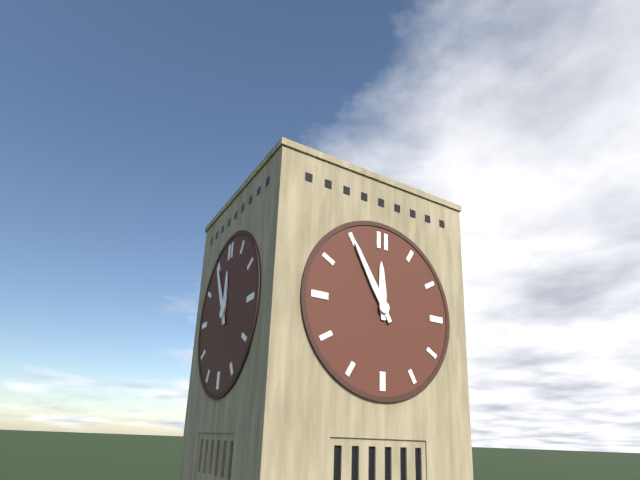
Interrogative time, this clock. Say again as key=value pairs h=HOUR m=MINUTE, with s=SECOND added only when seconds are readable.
h=11 m=55
